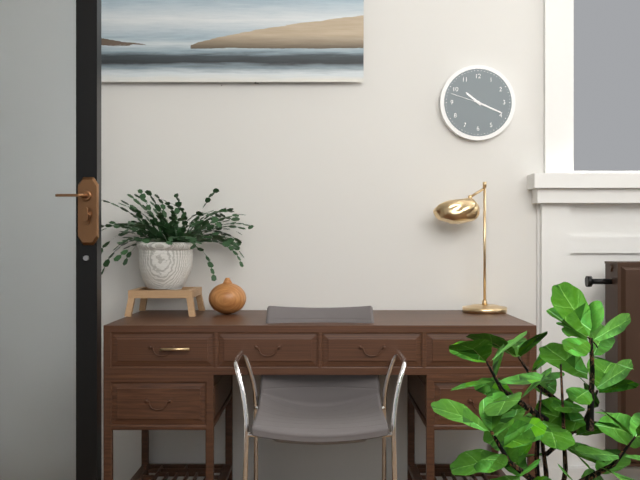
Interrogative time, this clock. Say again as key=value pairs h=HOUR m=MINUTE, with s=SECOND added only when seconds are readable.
h=10 m=19
